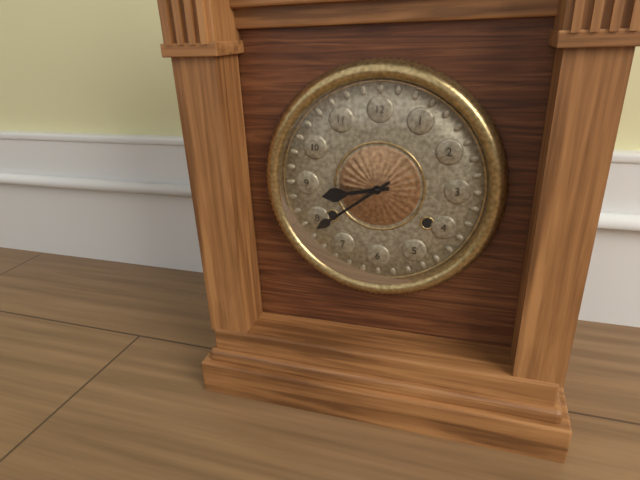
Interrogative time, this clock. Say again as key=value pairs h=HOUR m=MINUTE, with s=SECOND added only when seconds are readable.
h=8 m=39
